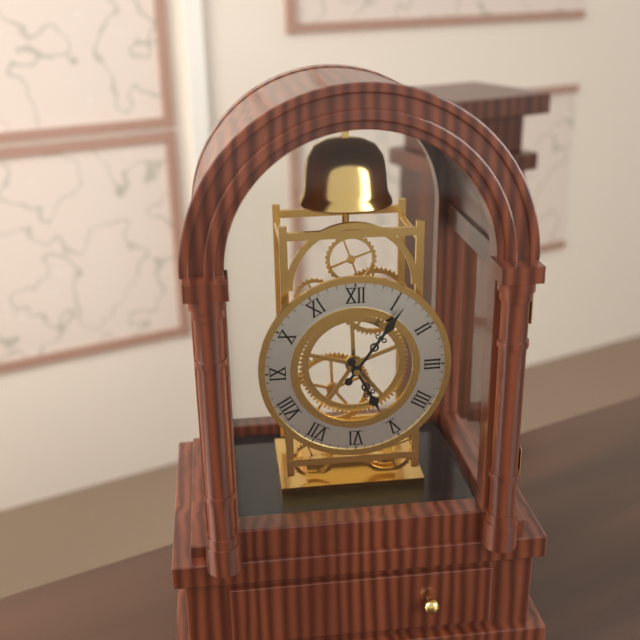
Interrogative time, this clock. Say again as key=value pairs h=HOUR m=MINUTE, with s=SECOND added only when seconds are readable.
h=5 m=6
